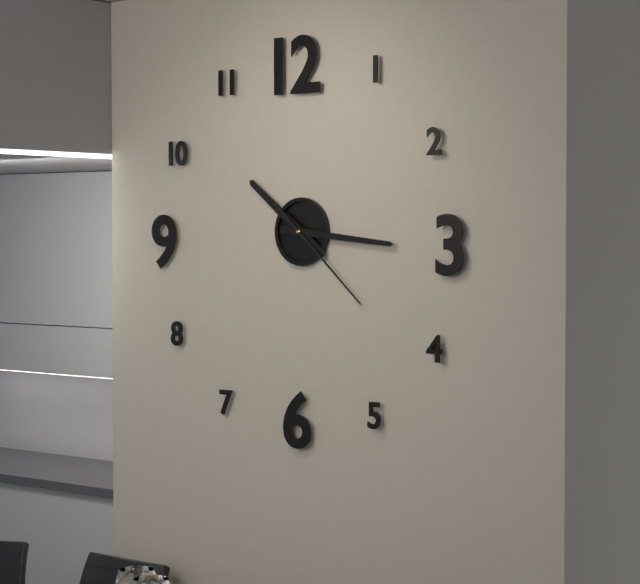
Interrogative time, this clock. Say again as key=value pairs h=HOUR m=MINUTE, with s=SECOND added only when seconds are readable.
h=10 m=16 s=22
